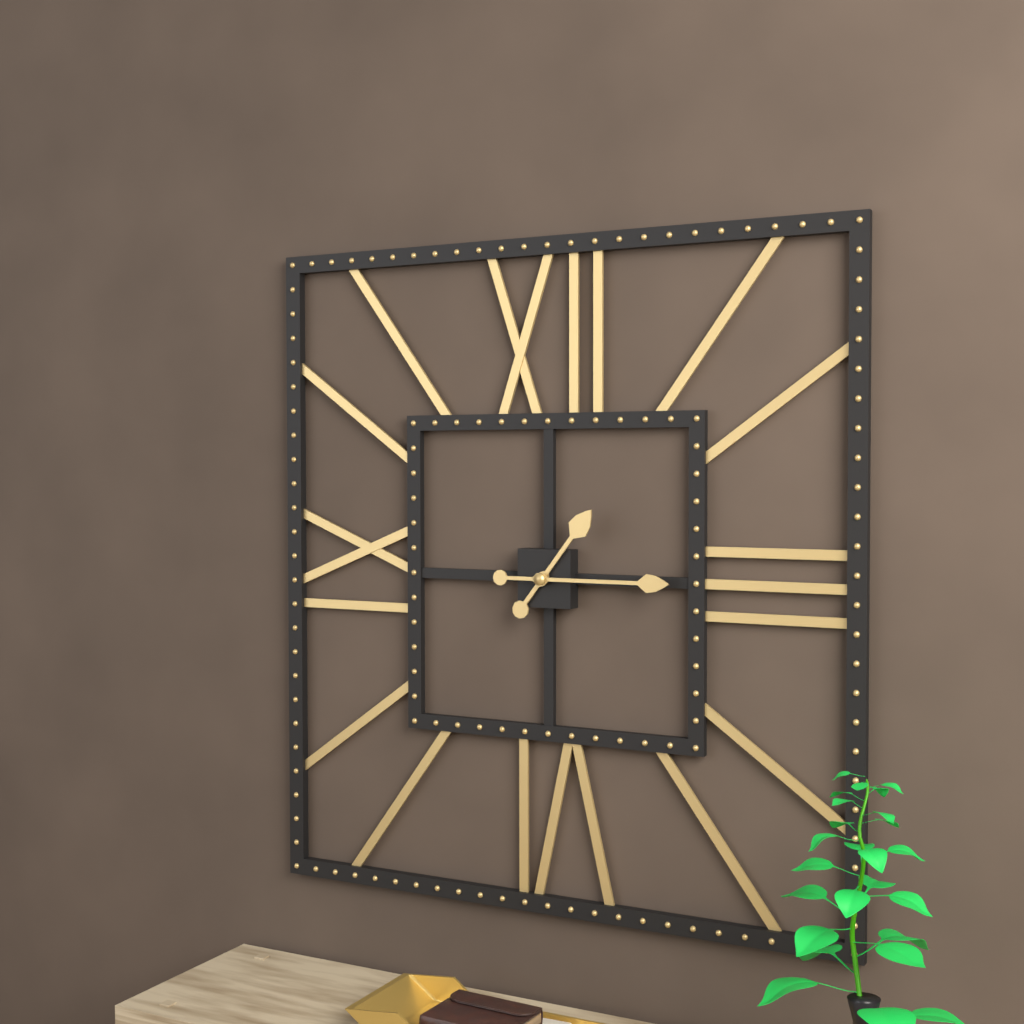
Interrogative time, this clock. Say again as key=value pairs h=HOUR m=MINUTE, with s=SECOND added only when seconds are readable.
h=1 m=15
